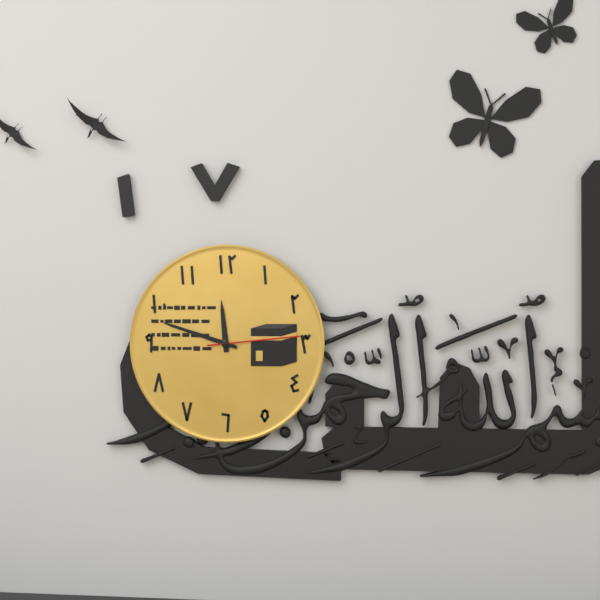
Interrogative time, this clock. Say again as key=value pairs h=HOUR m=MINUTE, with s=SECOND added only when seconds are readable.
h=11 m=48 s=14
